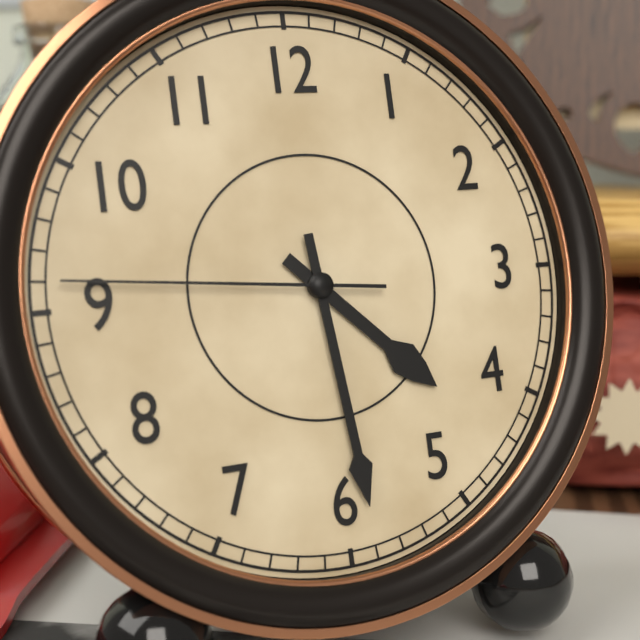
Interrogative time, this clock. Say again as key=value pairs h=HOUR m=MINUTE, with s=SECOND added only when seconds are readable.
h=4 m=29 s=46
